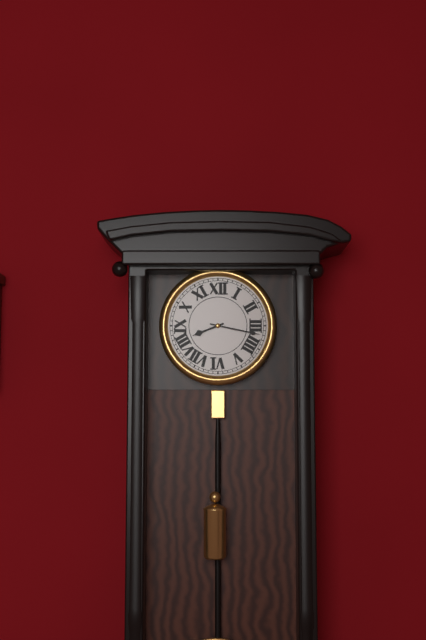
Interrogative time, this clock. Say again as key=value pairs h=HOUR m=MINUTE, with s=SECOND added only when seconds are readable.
h=8 m=17
